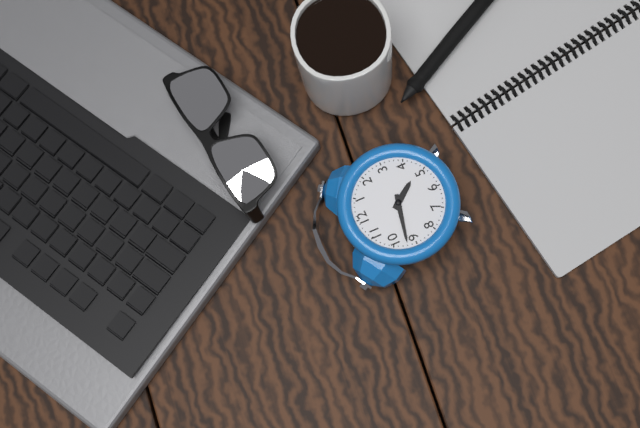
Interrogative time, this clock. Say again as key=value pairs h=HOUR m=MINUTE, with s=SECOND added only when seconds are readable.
h=4 m=47
